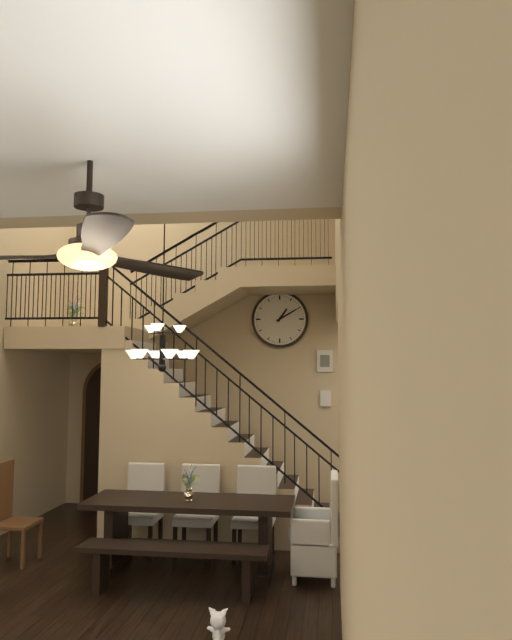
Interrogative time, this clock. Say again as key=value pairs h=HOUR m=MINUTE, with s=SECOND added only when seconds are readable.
h=1 m=10
